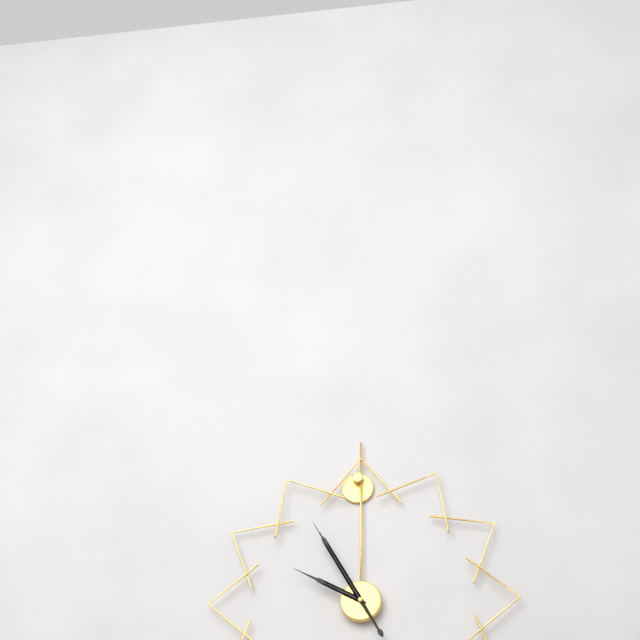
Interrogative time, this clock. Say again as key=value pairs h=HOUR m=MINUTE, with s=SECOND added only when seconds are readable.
h=9 m=55
